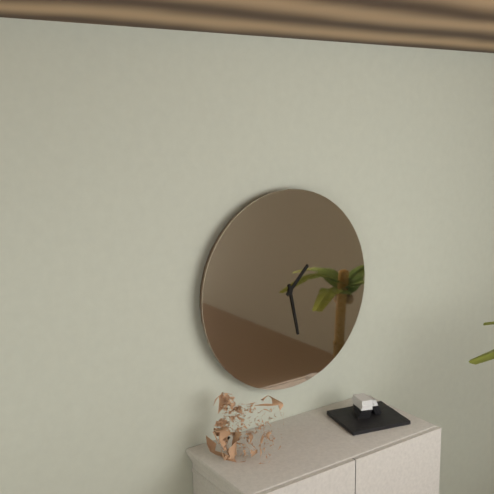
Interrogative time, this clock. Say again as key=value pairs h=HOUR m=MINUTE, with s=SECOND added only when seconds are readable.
h=1 m=28
